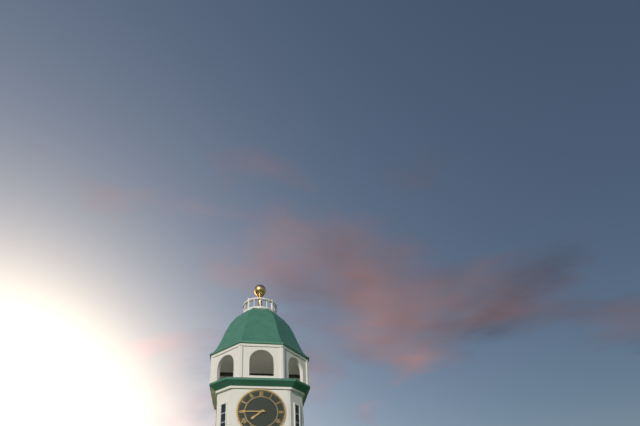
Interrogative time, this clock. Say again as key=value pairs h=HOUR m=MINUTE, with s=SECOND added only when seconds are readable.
h=7 m=45
